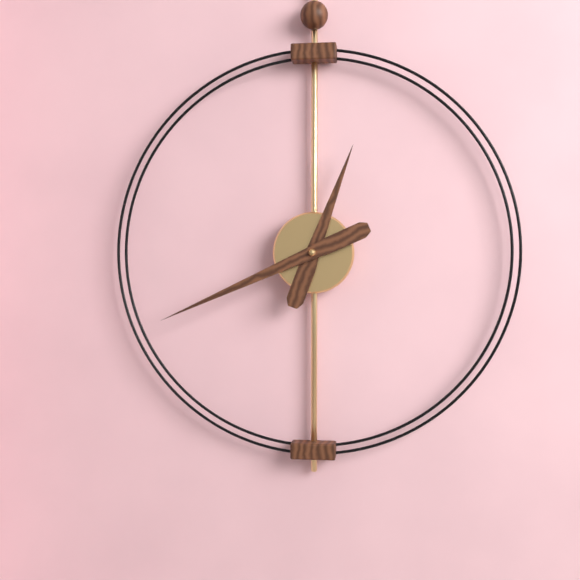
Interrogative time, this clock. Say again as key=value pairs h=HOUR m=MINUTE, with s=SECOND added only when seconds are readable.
h=12 m=41
